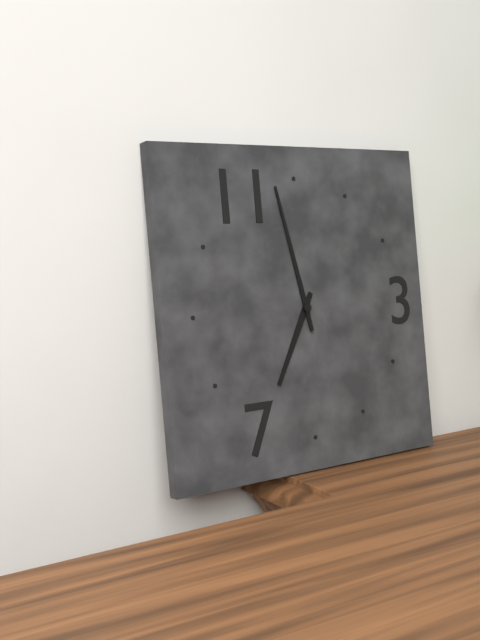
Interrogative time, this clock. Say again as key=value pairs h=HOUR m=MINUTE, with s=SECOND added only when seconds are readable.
h=6 m=58
